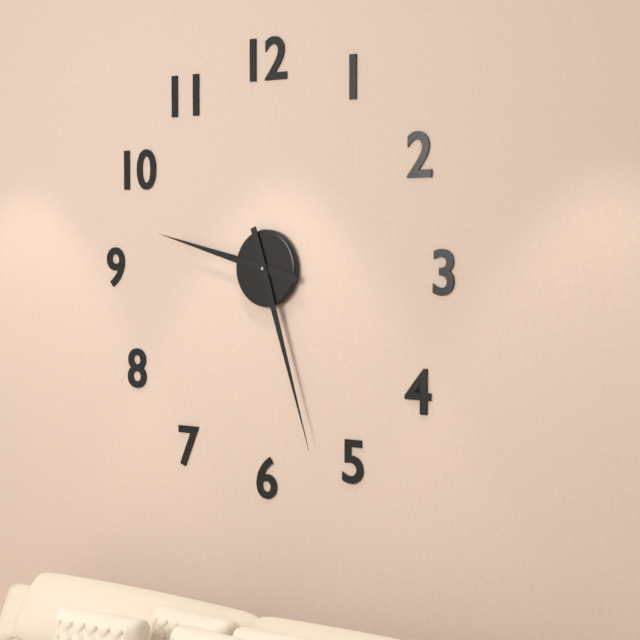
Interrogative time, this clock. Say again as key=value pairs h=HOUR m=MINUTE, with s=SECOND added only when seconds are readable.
h=9 m=27
